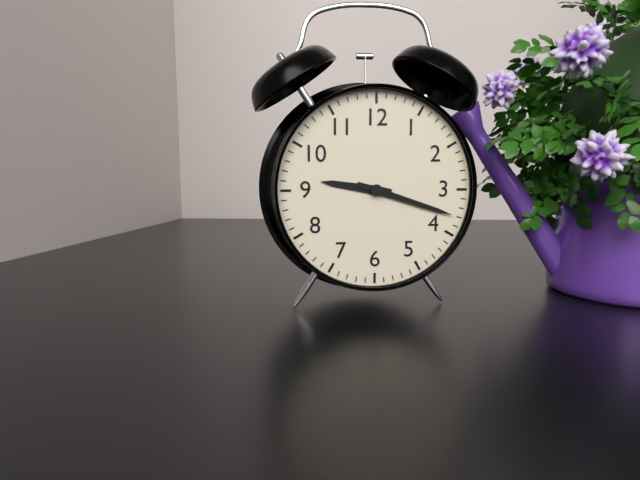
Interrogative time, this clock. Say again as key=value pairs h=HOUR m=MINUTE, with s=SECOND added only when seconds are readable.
h=9 m=18
